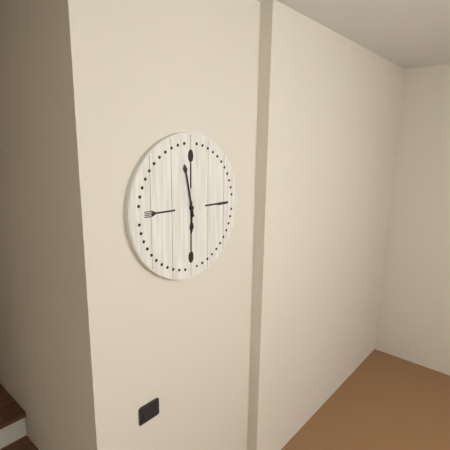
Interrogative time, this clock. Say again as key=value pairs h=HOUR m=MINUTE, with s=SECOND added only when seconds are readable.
h=5 m=58
